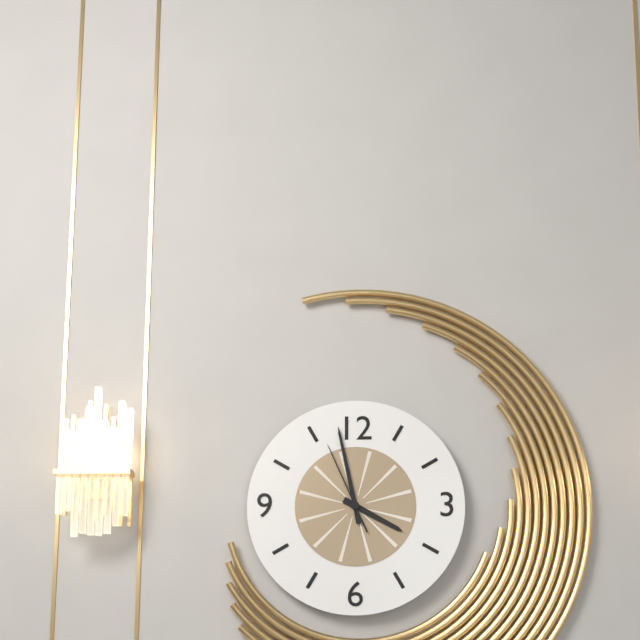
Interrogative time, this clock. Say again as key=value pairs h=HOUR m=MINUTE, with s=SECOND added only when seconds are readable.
h=3 m=58 s=56
